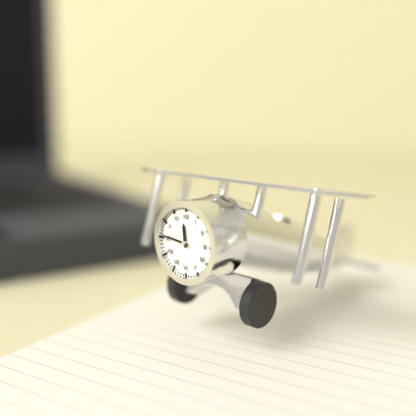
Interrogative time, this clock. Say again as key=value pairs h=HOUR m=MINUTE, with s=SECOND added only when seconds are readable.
h=11 m=46
